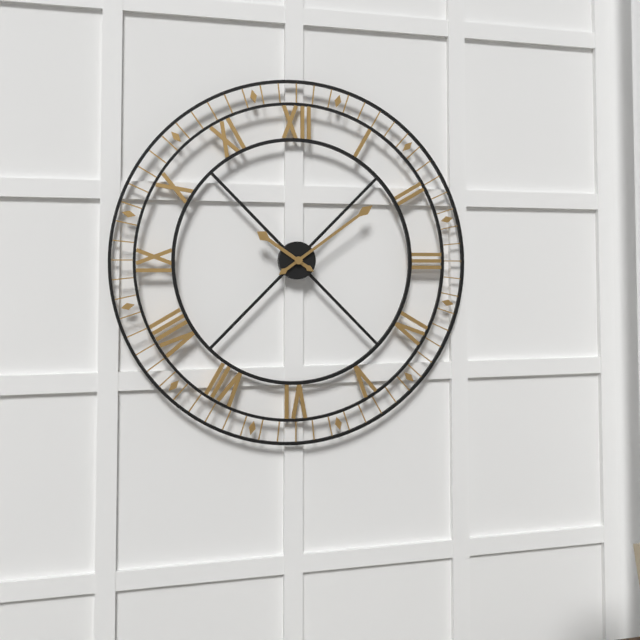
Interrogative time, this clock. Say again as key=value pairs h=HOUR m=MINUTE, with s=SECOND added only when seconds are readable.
h=10 m=9
